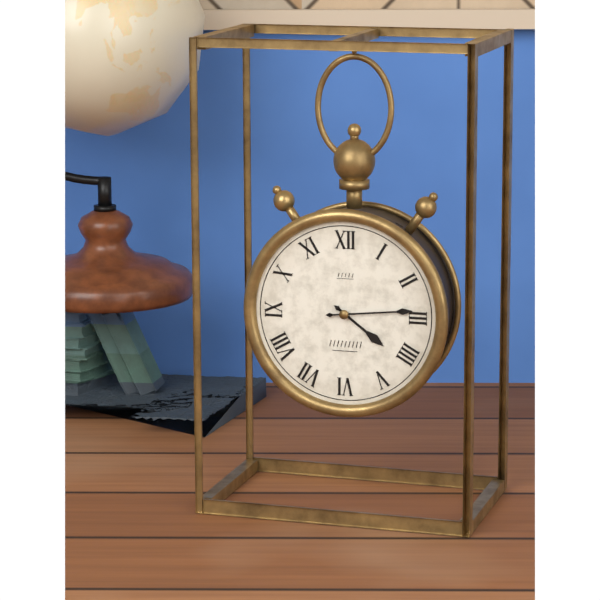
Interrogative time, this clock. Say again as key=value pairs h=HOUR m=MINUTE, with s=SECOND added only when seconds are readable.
h=4 m=14
